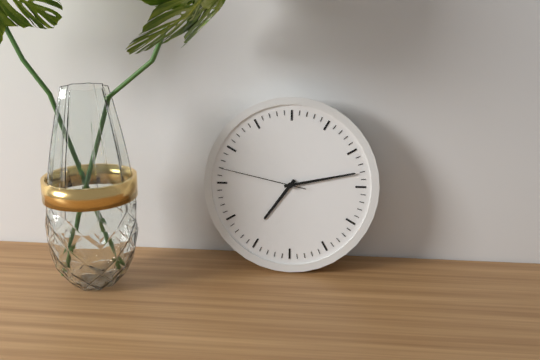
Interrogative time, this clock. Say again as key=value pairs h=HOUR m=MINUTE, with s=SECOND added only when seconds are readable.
h=7 m=13 s=47
